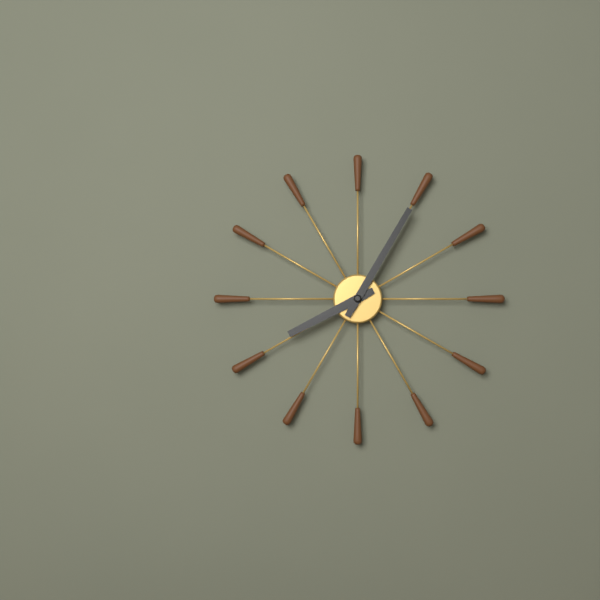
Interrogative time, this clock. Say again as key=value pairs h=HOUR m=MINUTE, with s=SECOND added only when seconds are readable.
h=8 m=5
